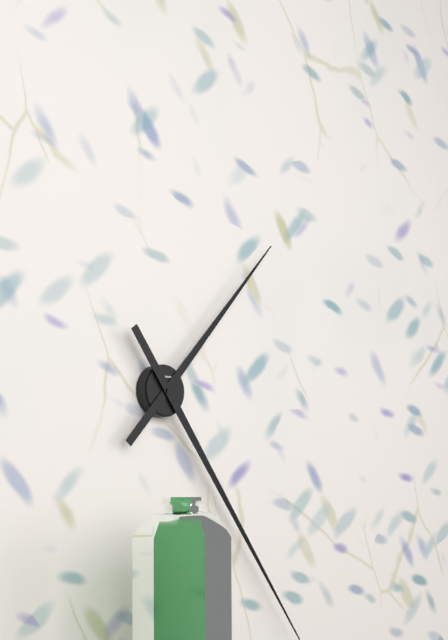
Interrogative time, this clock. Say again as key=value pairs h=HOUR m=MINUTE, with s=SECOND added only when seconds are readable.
h=1 m=24
